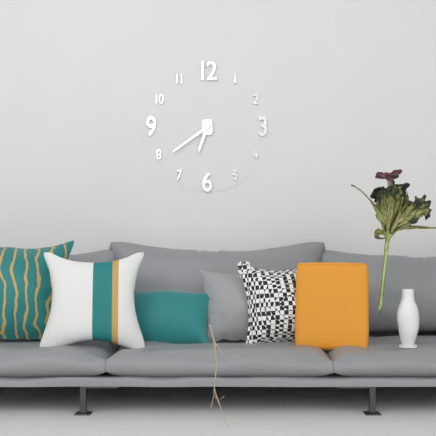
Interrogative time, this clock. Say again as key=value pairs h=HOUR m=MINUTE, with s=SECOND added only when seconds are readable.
h=6 m=39
